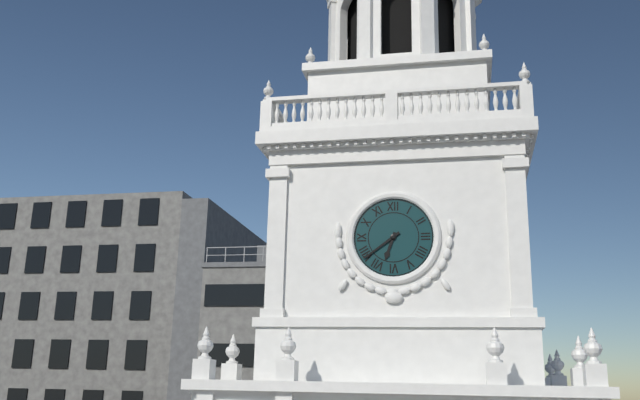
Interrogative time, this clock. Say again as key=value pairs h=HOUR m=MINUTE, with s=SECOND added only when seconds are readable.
h=6 m=39
